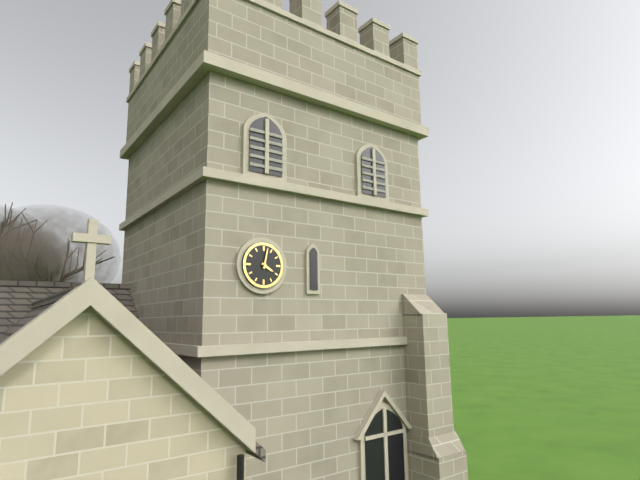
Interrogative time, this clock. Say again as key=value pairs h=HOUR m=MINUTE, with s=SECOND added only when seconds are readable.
h=4 m=2
